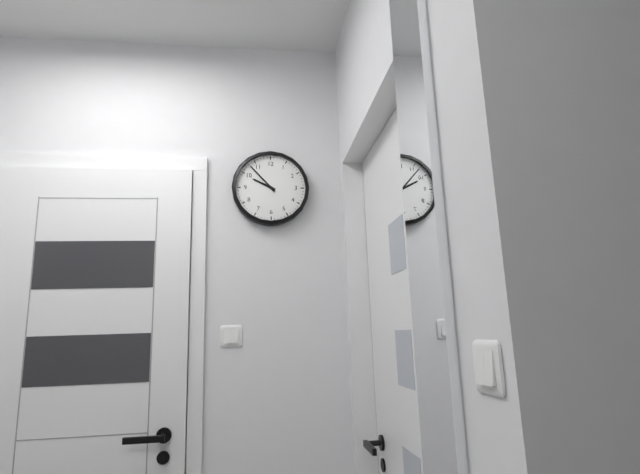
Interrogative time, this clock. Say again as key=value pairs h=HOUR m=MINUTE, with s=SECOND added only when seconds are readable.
h=9 m=53
